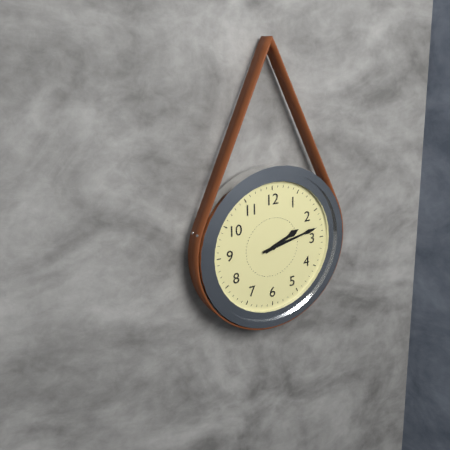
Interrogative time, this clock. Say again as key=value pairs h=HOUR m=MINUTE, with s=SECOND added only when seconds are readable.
h=2 m=13
